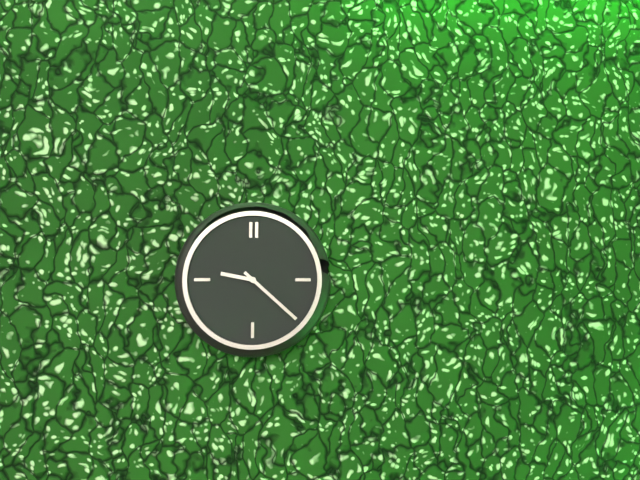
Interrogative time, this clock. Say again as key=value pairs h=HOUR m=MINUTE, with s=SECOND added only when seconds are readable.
h=9 m=22
